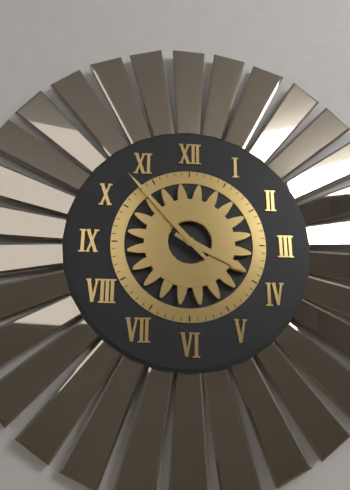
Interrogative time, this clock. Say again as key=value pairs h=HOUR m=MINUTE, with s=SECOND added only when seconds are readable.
h=3 m=53
